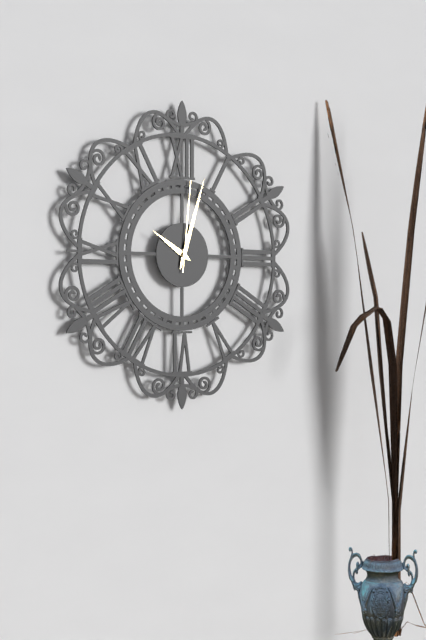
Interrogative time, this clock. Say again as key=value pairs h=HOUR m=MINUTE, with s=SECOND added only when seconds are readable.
h=10 m=3 s=1
